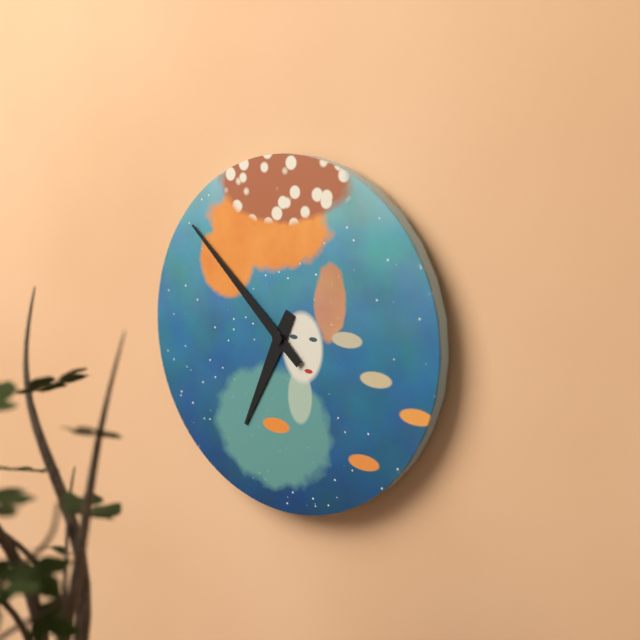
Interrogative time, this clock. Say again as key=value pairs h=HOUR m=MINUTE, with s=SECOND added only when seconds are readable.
h=6 m=52
